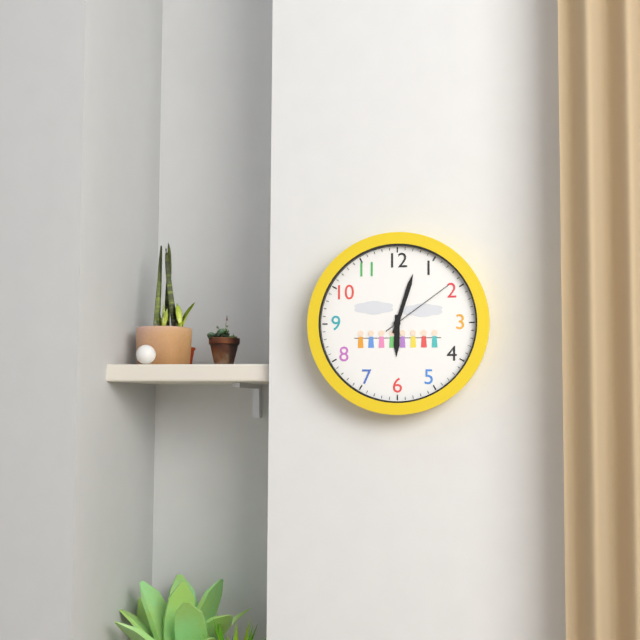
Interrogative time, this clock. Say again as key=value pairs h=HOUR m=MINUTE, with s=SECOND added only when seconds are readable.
h=6 m=3 s=9
